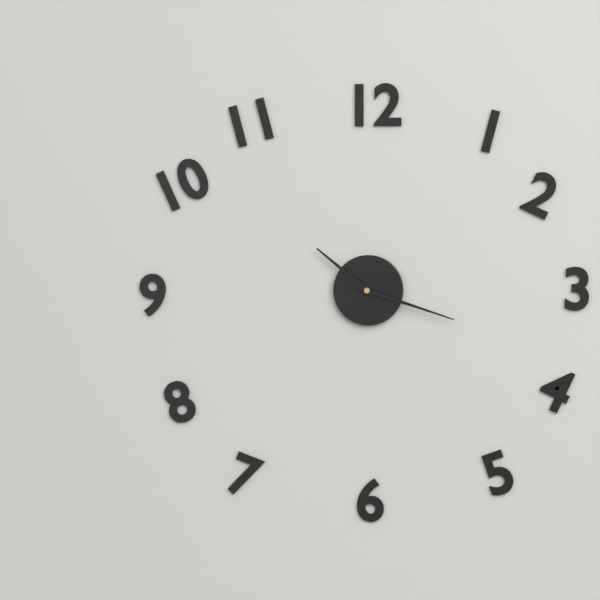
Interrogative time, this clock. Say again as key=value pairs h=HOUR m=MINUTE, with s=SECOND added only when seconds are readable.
h=10 m=18
